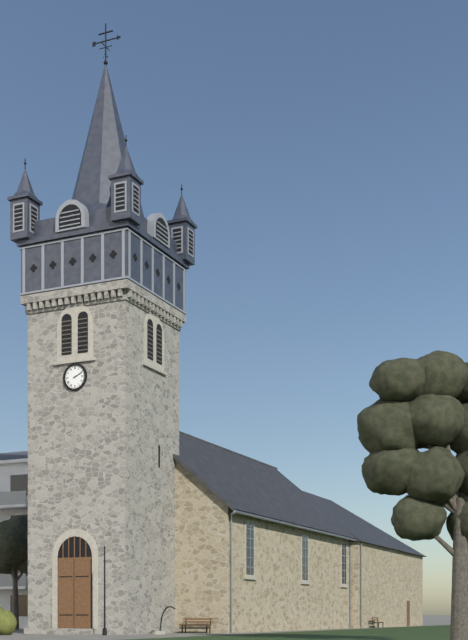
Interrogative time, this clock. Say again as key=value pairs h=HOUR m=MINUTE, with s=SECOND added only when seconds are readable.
h=2 m=11
